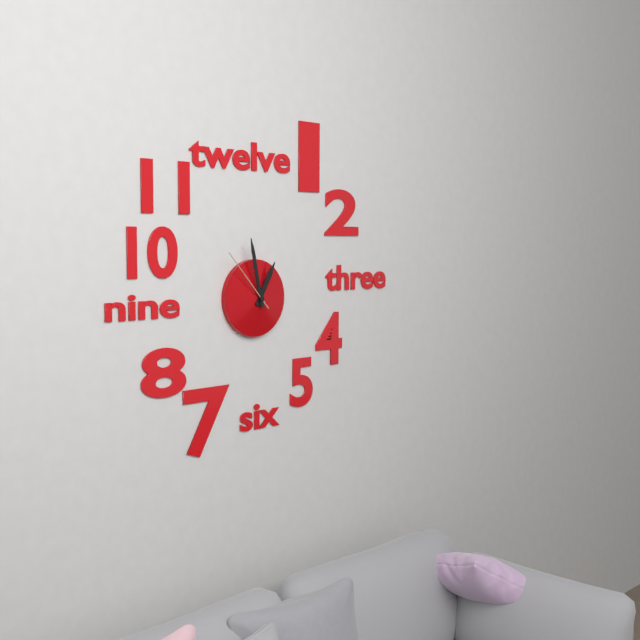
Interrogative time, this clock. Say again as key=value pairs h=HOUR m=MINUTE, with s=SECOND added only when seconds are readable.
h=12 m=58 s=53
